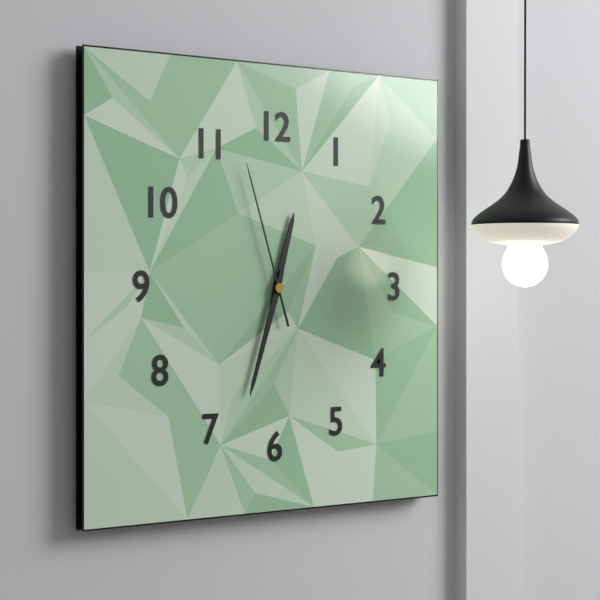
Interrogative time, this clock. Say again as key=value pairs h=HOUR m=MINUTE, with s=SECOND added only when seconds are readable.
h=12 m=33 s=57
